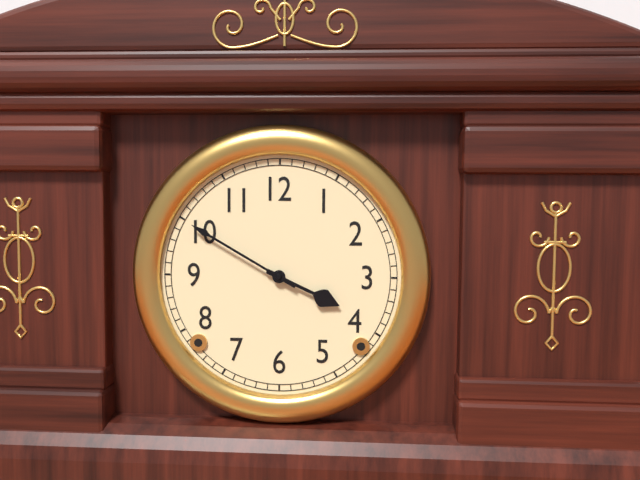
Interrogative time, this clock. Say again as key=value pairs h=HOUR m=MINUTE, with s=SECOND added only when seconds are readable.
h=3 m=50
